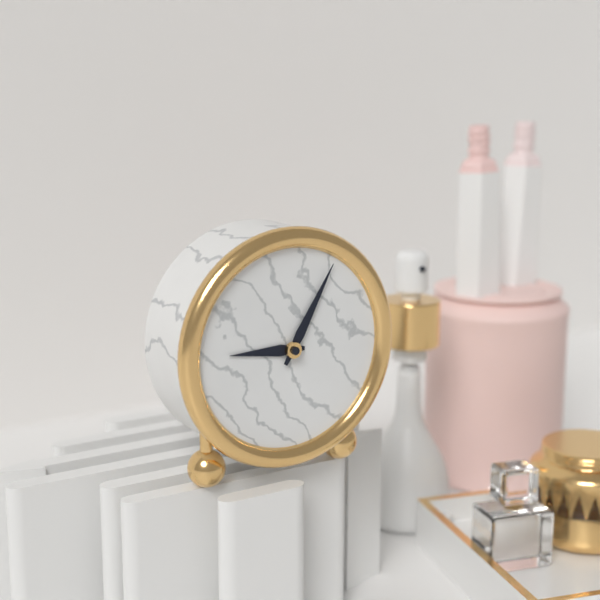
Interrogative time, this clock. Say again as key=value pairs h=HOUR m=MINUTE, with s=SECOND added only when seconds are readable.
h=9 m=5
